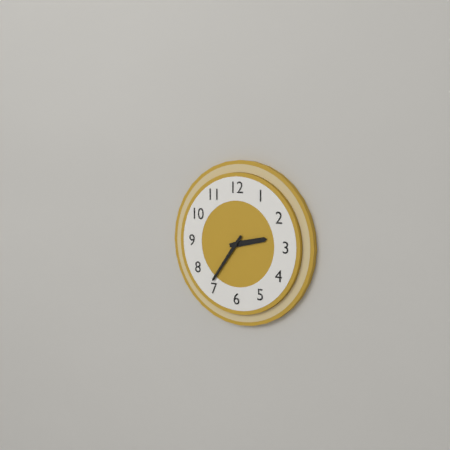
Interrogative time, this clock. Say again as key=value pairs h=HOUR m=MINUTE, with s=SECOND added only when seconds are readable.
h=2 m=36
